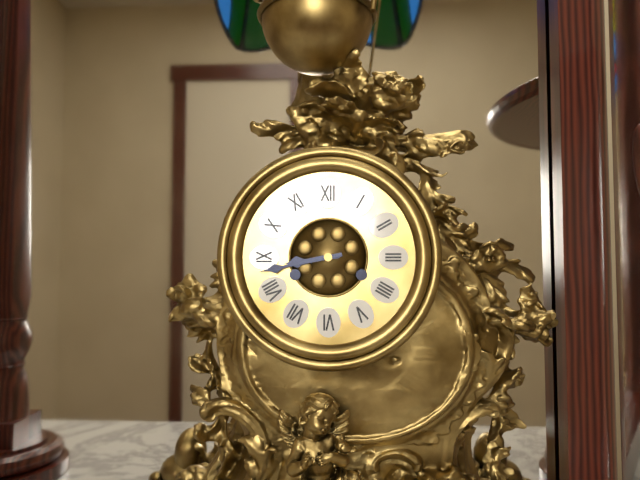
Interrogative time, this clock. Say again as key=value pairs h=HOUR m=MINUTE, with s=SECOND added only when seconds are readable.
h=8 m=43
